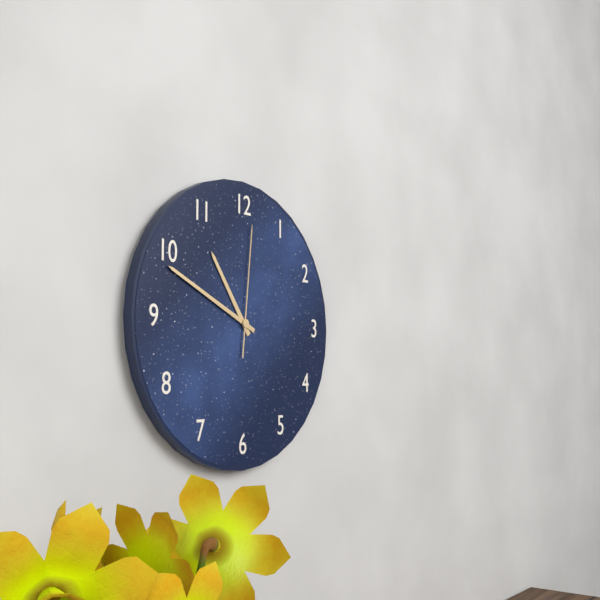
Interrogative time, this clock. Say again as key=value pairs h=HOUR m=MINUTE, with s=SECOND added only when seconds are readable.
h=10 m=49 s=1
